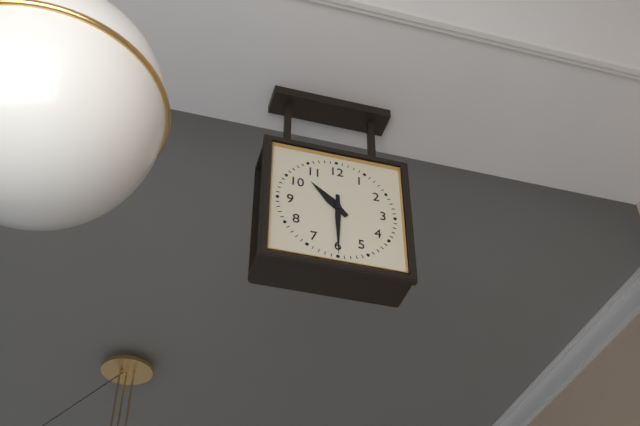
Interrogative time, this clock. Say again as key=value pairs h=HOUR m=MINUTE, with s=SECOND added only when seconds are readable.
h=10 m=30
